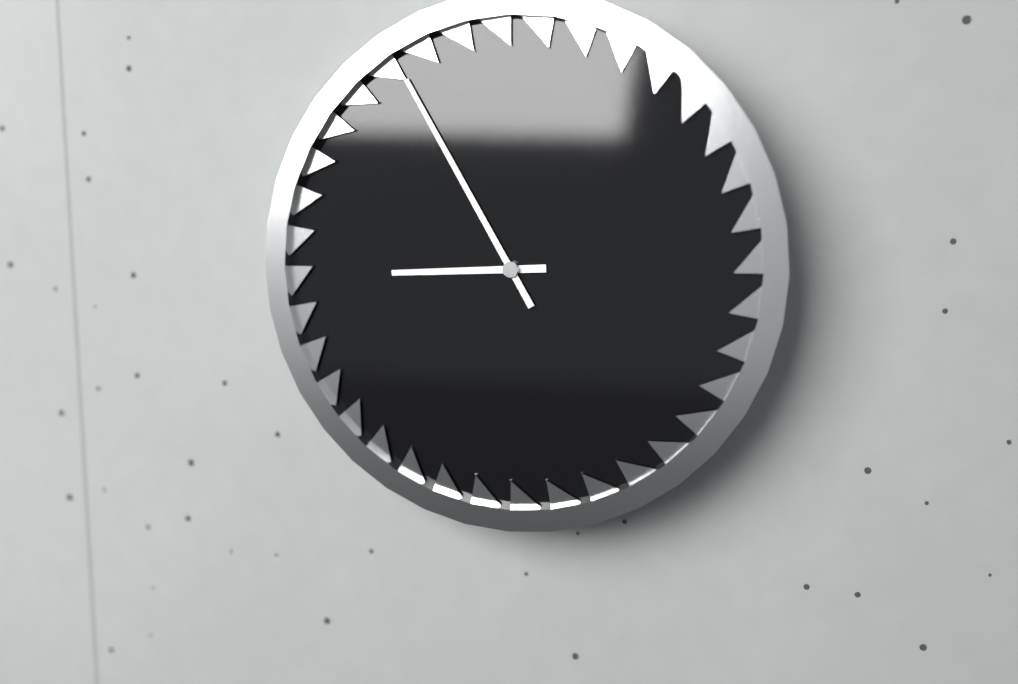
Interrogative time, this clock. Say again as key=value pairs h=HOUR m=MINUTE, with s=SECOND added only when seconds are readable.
h=8 m=55
